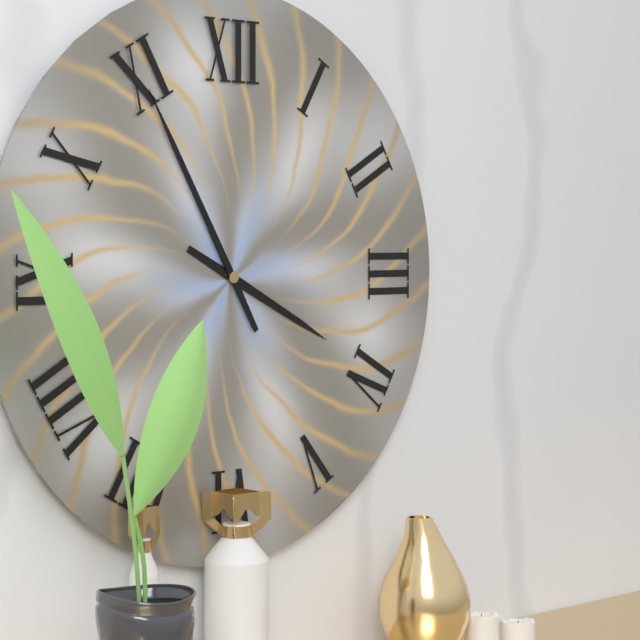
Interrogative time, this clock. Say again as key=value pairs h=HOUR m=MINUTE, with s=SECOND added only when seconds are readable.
h=3 m=55
